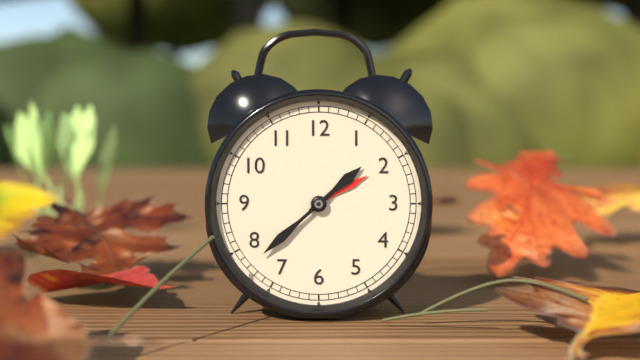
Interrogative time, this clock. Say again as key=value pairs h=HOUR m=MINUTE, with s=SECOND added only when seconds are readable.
h=1 m=38
